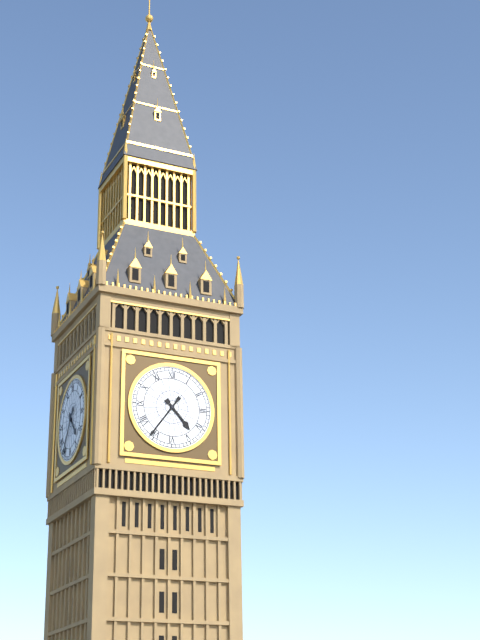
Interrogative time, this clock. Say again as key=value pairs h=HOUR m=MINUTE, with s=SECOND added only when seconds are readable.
h=4 m=36
